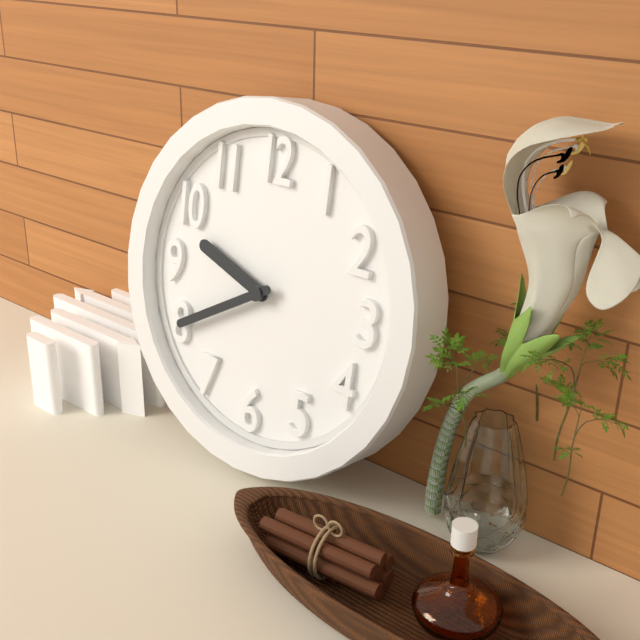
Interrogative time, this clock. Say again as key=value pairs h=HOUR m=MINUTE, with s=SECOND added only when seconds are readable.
h=9 m=40
